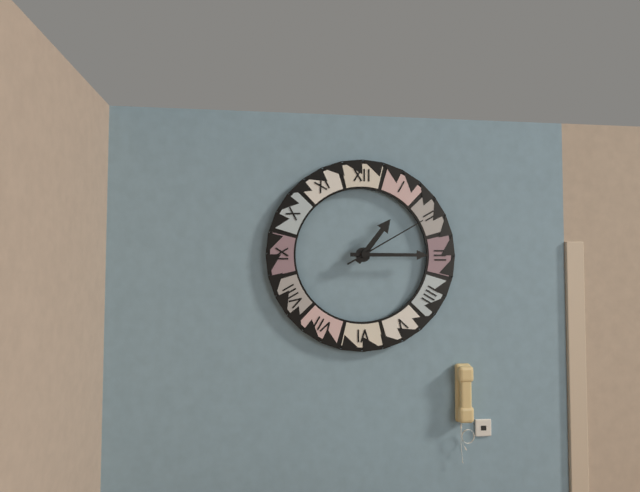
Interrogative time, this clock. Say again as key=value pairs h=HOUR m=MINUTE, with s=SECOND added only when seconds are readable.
h=1 m=15 s=10
